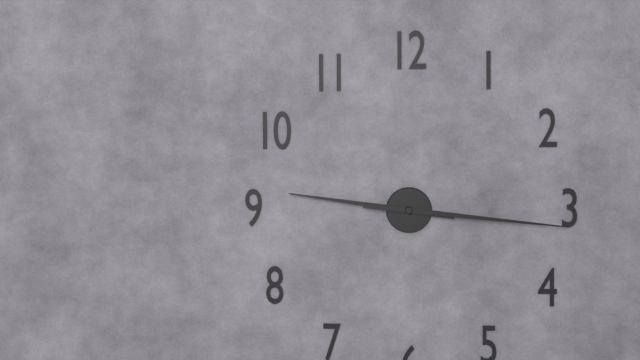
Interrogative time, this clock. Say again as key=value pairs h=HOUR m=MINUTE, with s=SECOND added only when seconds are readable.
h=9 m=16
